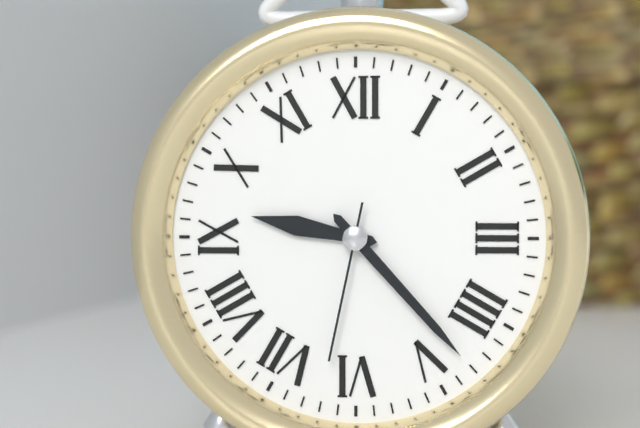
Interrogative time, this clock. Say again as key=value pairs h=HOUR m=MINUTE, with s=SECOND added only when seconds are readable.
h=9 m=23 s=32
